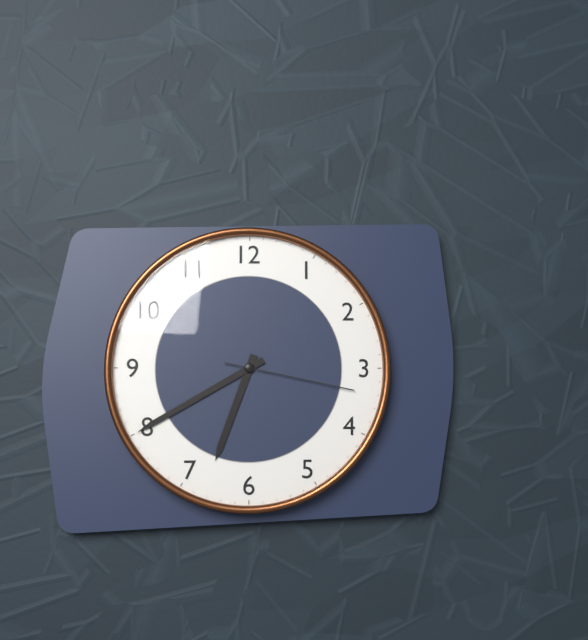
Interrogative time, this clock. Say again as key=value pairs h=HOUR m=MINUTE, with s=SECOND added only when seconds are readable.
h=6 m=40 s=17
